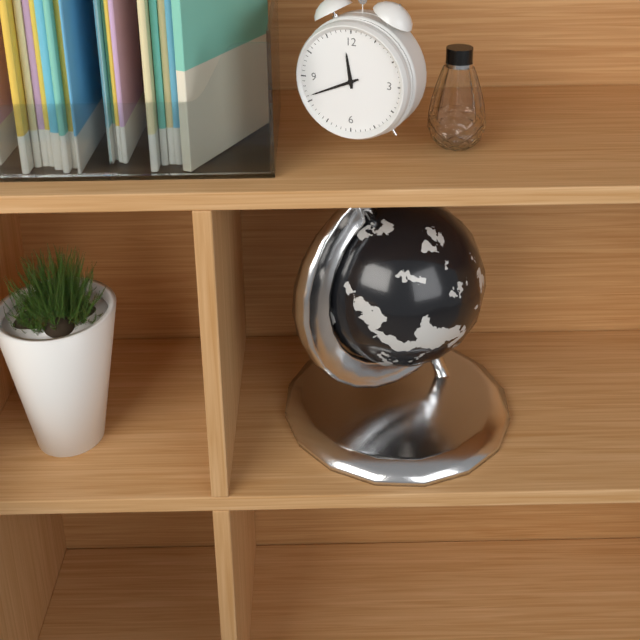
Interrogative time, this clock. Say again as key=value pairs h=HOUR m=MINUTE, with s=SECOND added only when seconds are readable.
h=11 m=41
